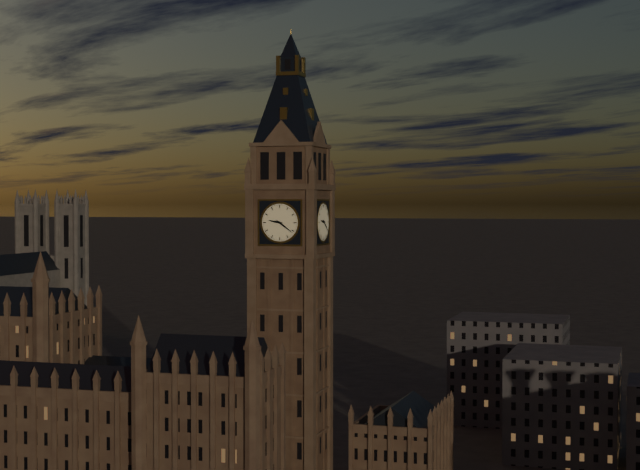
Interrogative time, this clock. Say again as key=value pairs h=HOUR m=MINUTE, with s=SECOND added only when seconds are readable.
h=9 m=21
